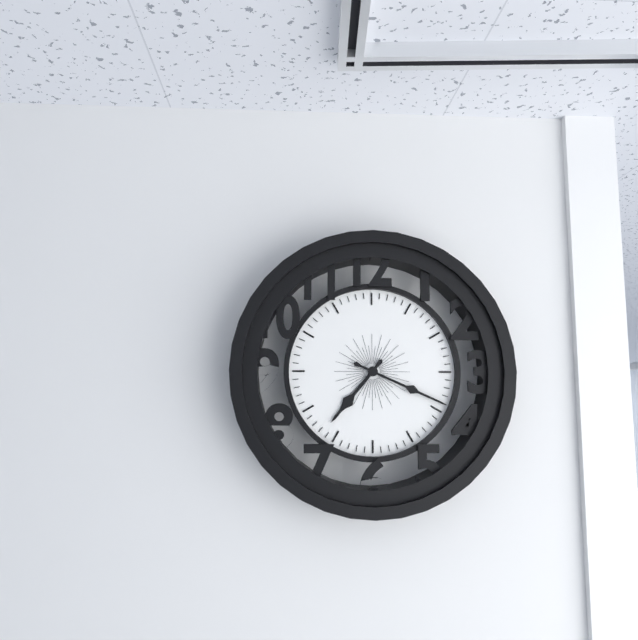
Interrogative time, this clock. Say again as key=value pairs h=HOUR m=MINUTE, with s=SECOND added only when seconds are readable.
h=7 m=19
